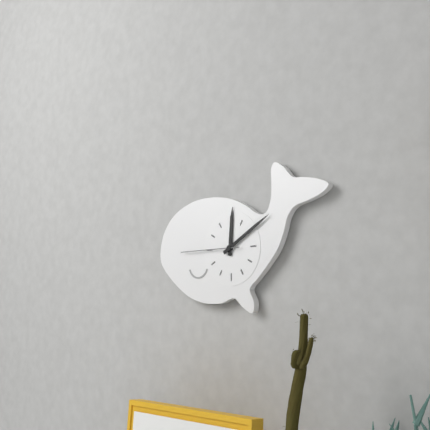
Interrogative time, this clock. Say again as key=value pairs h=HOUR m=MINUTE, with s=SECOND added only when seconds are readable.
h=12 m=10
